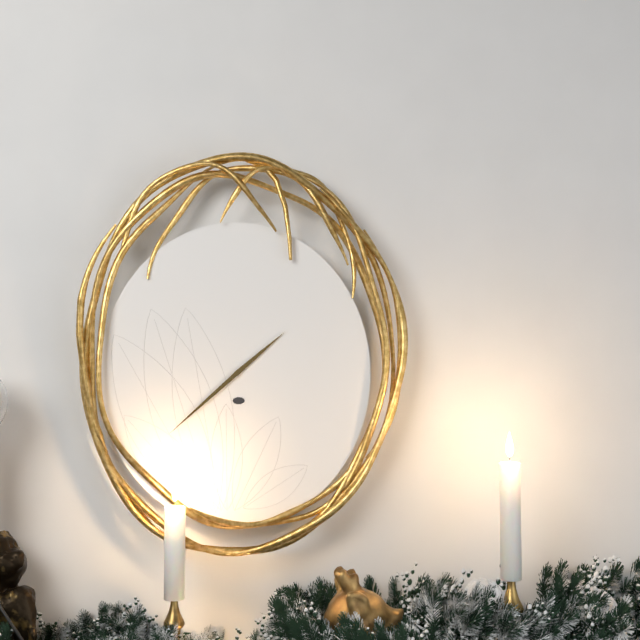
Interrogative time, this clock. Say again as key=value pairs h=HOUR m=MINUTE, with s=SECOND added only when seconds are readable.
h=1 m=38
